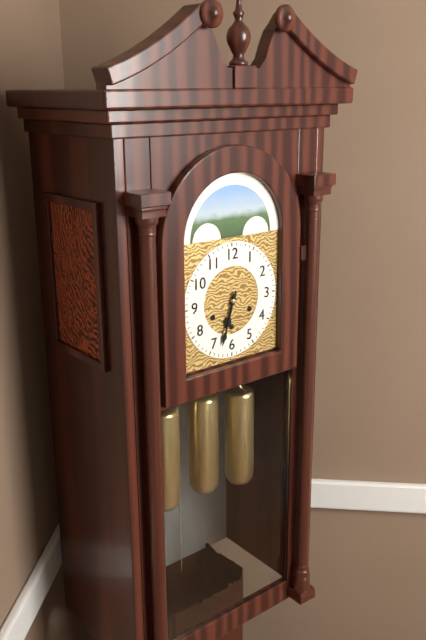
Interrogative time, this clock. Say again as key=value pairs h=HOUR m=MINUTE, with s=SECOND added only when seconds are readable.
h=6 m=33
